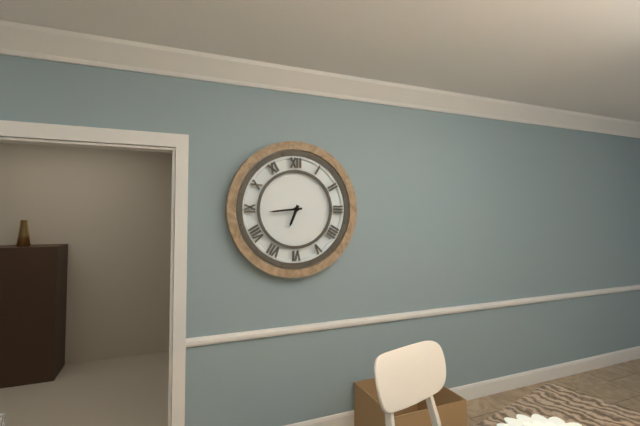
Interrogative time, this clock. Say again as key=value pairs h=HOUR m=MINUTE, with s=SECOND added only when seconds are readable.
h=6 m=44
